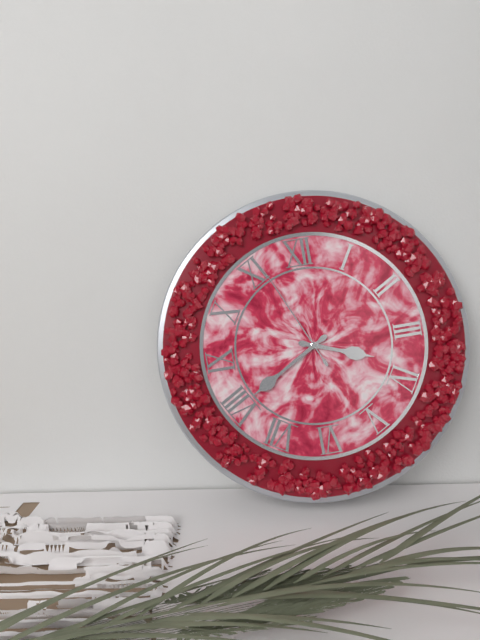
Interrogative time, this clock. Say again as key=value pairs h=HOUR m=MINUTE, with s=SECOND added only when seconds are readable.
h=3 m=40 s=56
